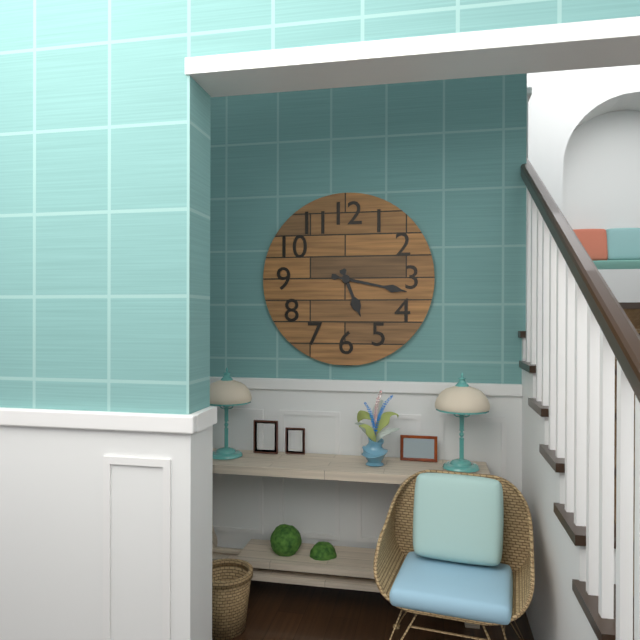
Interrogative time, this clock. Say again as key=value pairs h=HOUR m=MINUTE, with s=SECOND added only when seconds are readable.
h=5 m=17
